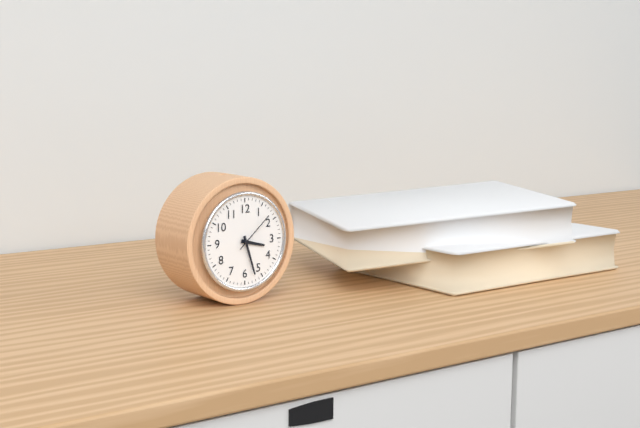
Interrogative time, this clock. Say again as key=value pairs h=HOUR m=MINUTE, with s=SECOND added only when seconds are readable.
h=3 m=27
